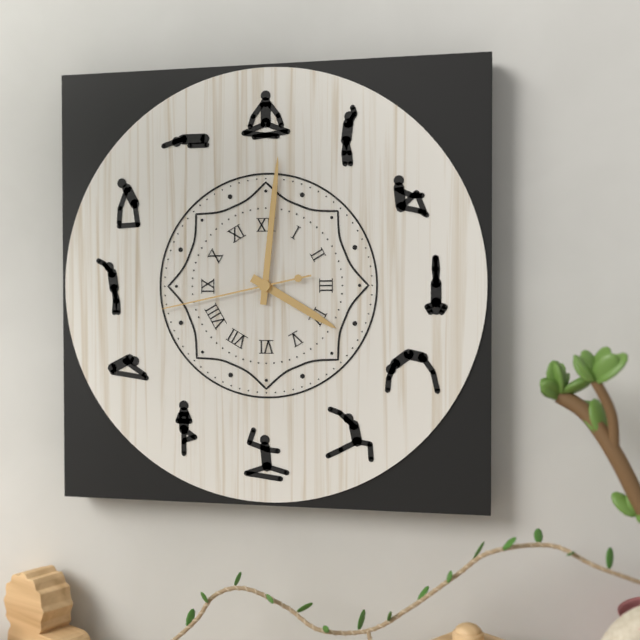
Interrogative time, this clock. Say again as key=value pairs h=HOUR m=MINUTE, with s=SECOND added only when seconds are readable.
h=4 m=1 s=43
